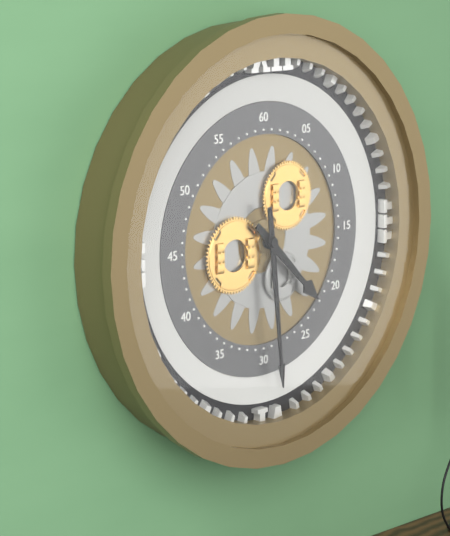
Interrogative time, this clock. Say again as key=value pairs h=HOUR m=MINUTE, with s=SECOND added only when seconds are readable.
h=4 m=29
